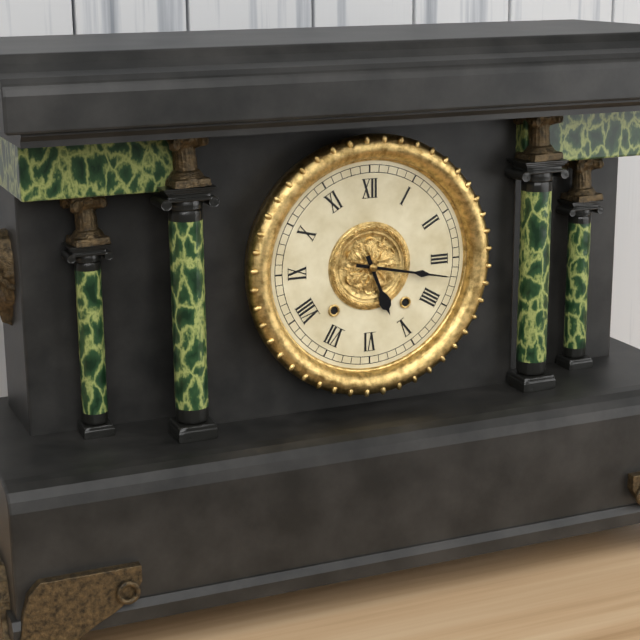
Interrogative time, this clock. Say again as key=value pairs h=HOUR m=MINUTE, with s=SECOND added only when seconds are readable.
h=5 m=17
